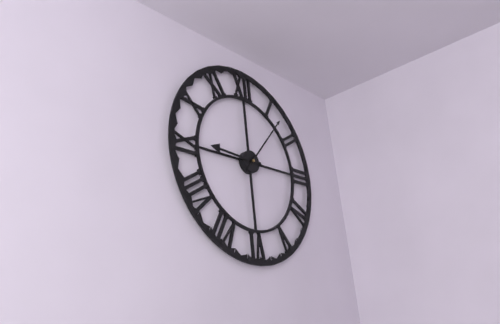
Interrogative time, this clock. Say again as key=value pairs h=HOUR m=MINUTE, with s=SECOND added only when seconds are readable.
h=9 m=7
